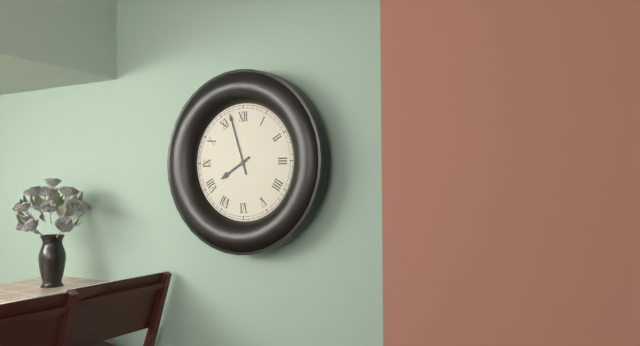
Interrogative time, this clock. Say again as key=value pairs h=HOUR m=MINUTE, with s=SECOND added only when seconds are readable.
h=7 m=57
